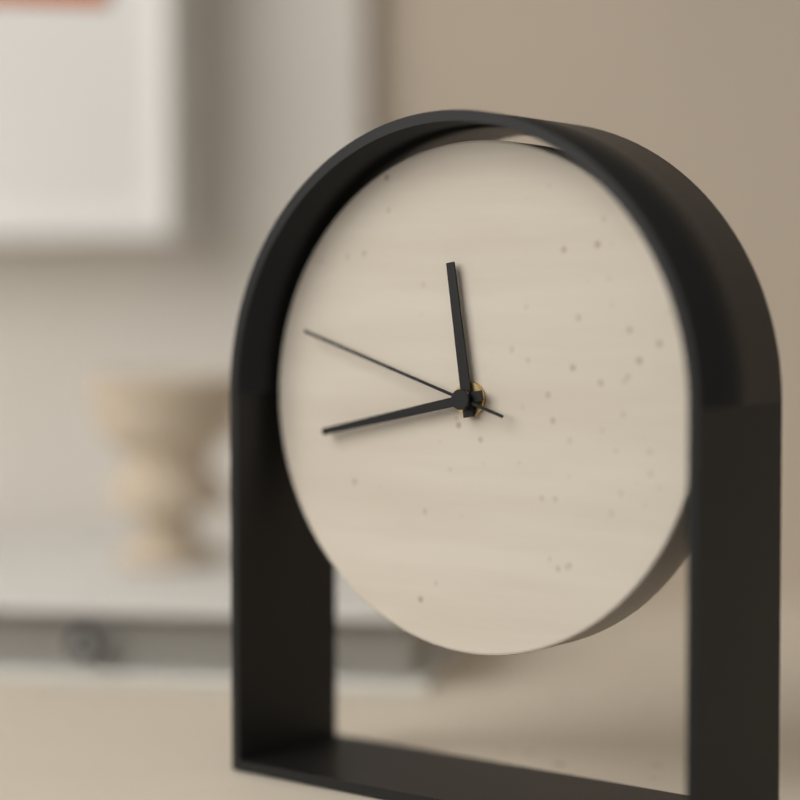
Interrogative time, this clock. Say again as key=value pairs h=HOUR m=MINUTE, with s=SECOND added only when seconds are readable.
h=11 m=43 s=48
